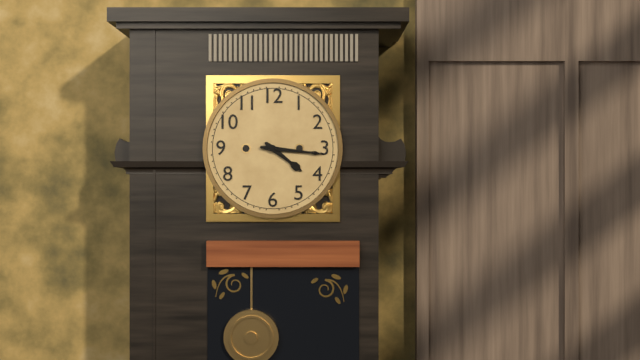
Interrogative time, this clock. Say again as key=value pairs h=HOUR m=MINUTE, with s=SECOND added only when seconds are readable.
h=4 m=16
